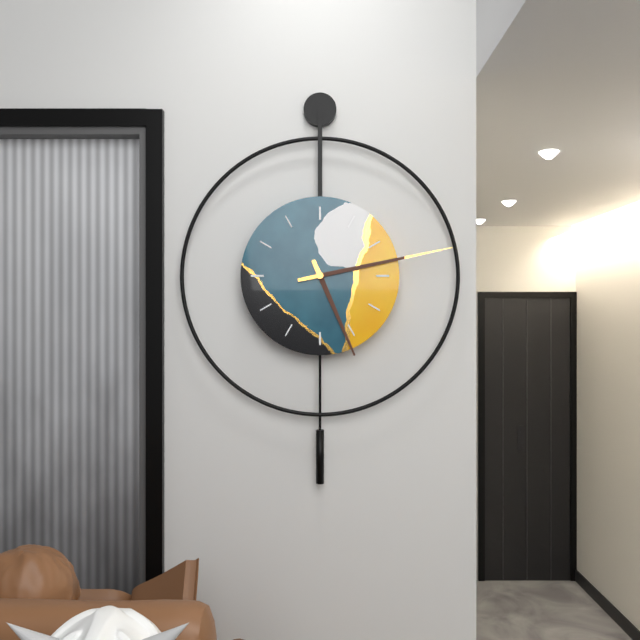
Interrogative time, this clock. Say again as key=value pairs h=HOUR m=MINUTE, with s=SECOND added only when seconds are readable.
h=5 m=13
